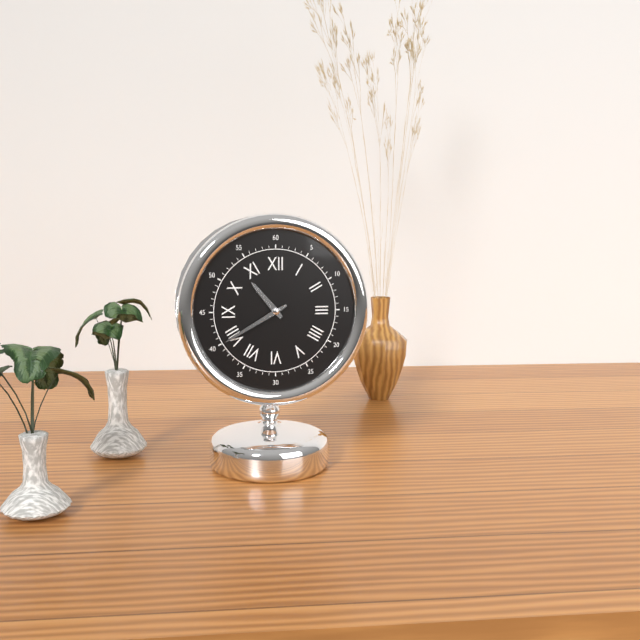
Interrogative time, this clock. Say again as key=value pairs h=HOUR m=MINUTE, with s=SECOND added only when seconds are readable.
h=10 m=40
